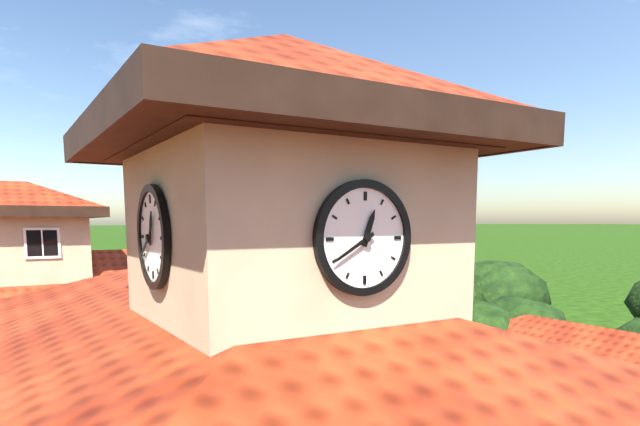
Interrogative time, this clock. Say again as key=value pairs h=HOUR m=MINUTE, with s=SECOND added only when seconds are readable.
h=12 m=40
